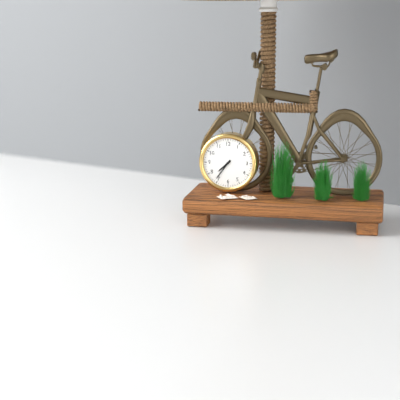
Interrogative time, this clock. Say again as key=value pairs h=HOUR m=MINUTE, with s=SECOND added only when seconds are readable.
h=7 m=36
